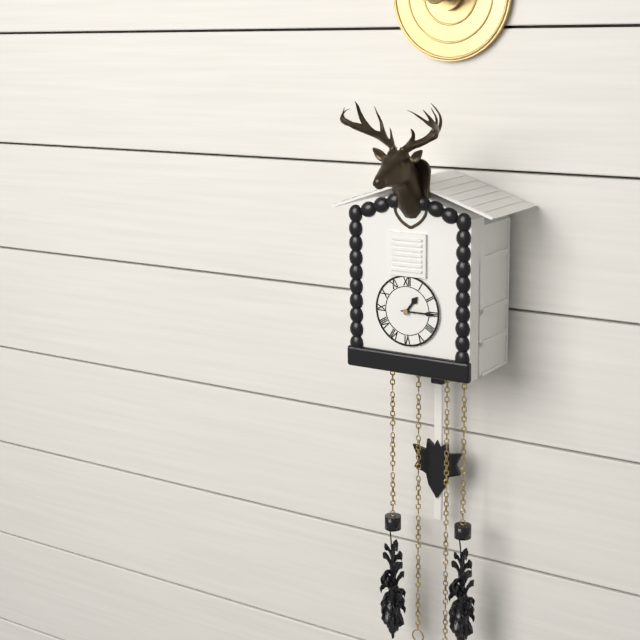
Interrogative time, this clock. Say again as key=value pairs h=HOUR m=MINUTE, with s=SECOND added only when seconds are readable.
h=1 m=15
